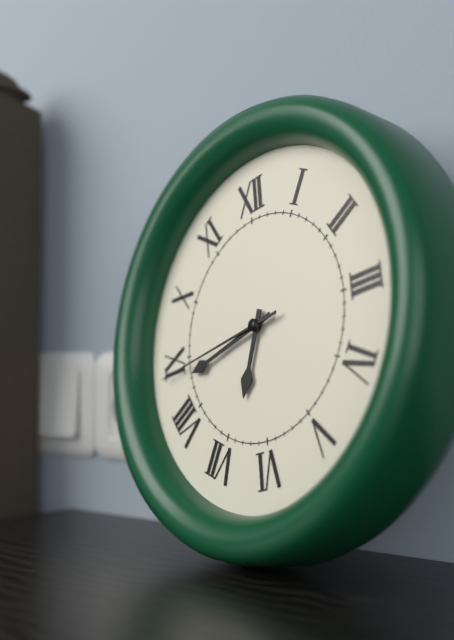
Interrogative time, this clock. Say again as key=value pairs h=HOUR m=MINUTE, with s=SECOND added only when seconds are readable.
h=6 m=43 s=44
